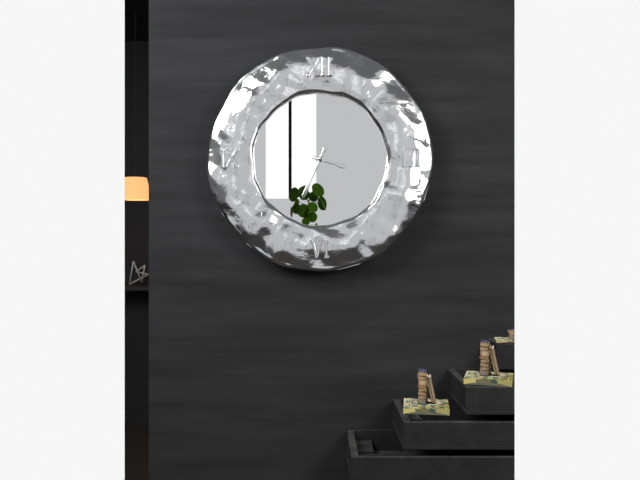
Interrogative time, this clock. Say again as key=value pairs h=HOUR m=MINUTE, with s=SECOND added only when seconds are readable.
h=3 m=34
